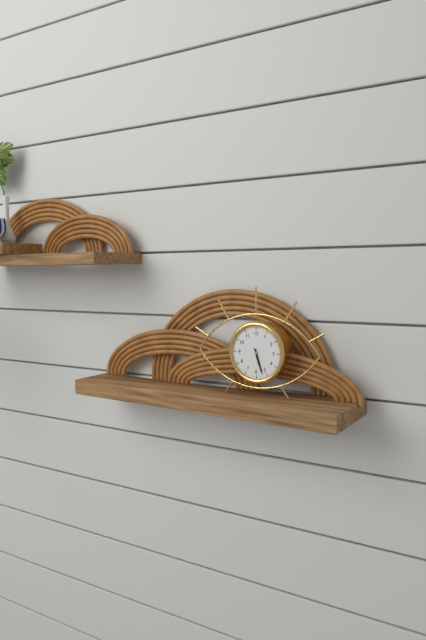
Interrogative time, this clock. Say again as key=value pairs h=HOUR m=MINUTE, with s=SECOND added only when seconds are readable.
h=5 m=27
